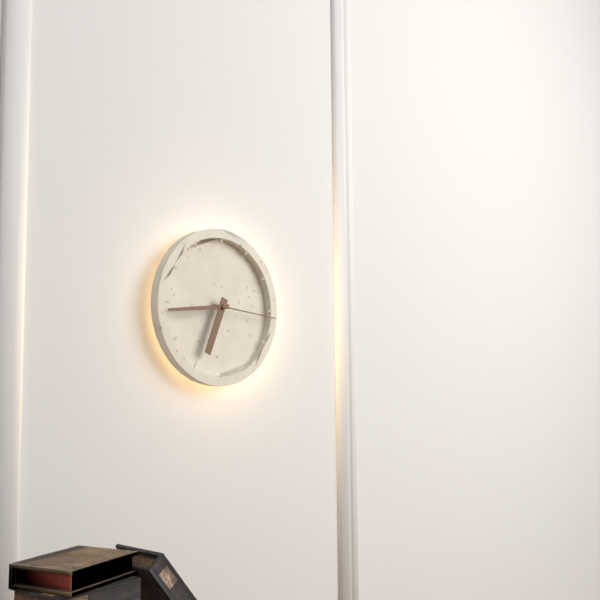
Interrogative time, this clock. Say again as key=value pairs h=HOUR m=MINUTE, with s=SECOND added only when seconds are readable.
h=6 m=44 s=16
